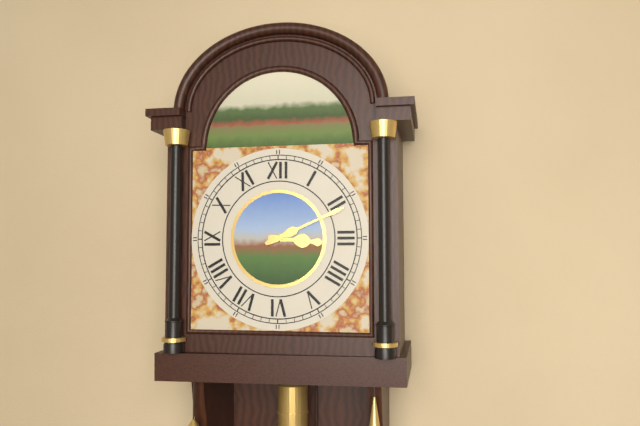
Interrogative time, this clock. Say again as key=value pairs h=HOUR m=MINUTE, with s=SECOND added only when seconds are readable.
h=3 m=11
